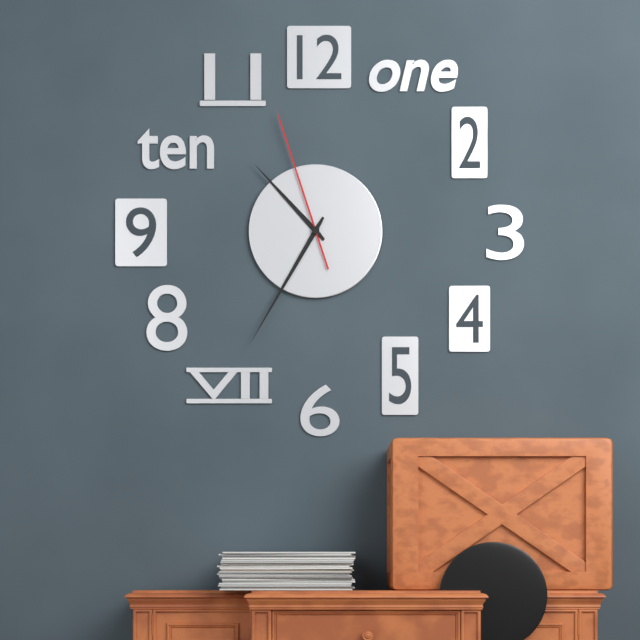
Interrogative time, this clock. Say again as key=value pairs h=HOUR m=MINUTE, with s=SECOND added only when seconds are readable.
h=10 m=35 s=57
